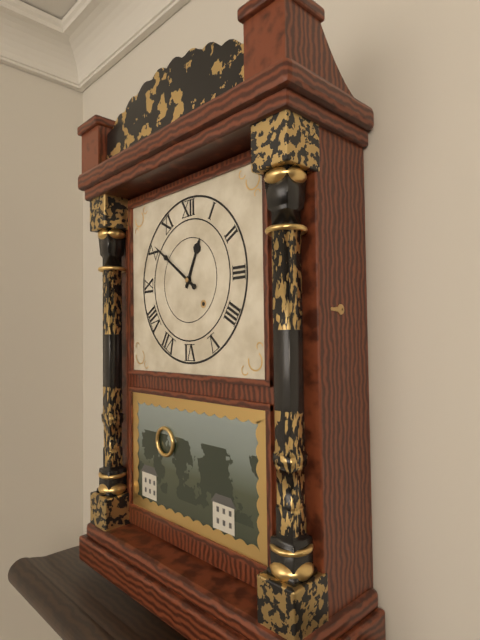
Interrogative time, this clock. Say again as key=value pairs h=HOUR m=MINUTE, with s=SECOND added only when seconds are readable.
h=12 m=51
